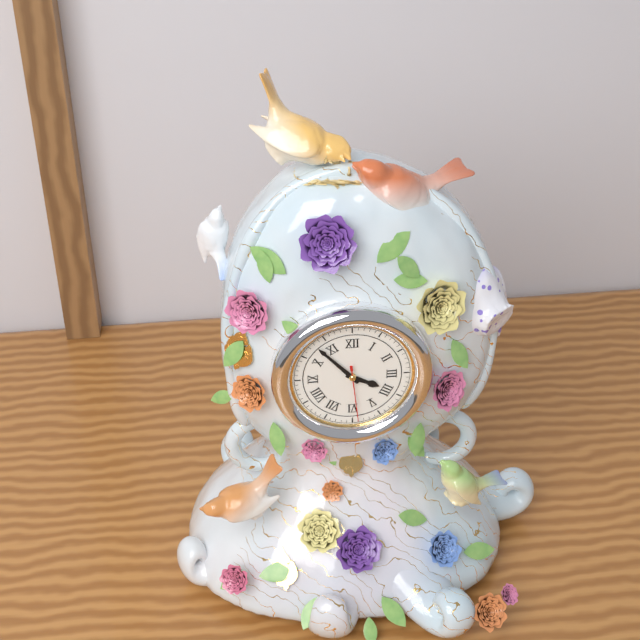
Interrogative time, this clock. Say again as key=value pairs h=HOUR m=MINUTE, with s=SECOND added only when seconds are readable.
h=3 m=53 s=29
